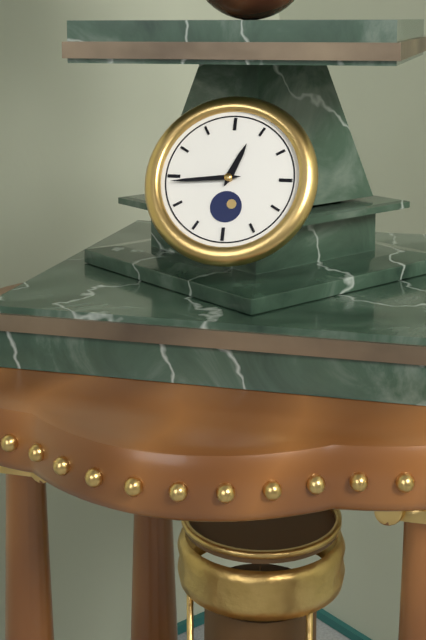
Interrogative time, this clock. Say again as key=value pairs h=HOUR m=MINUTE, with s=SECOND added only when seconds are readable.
h=12 m=44
